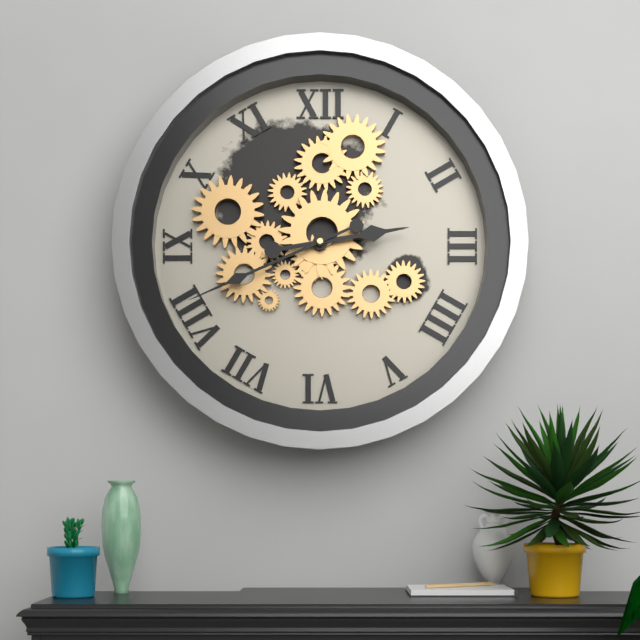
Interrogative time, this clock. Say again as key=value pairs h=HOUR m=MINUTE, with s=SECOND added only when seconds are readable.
h=2 m=41
